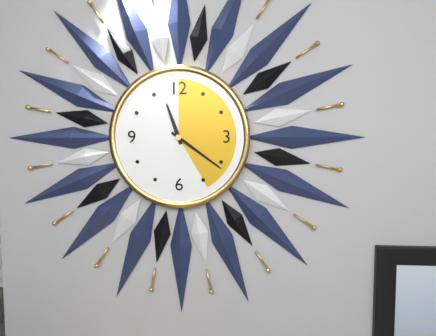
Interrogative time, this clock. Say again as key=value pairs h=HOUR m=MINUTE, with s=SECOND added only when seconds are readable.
h=11 m=21
